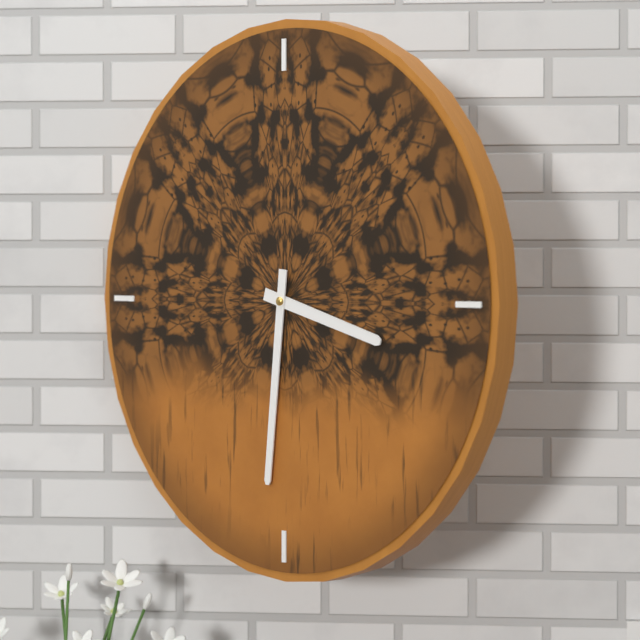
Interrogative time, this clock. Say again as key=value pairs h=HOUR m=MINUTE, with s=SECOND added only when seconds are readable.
h=3 m=31
